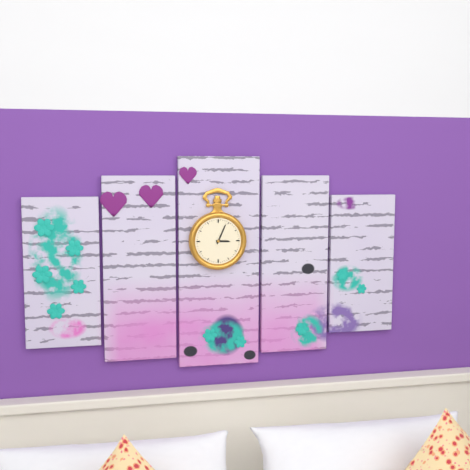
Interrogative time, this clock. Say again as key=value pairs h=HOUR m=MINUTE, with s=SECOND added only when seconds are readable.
h=3 m=4
